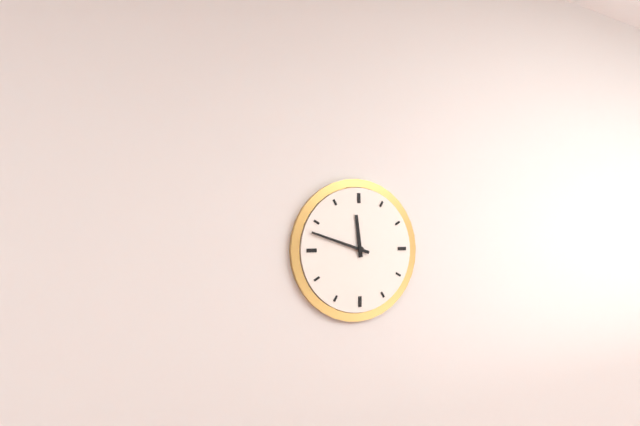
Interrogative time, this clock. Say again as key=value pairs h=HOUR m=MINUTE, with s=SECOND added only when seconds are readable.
h=11 m=48
